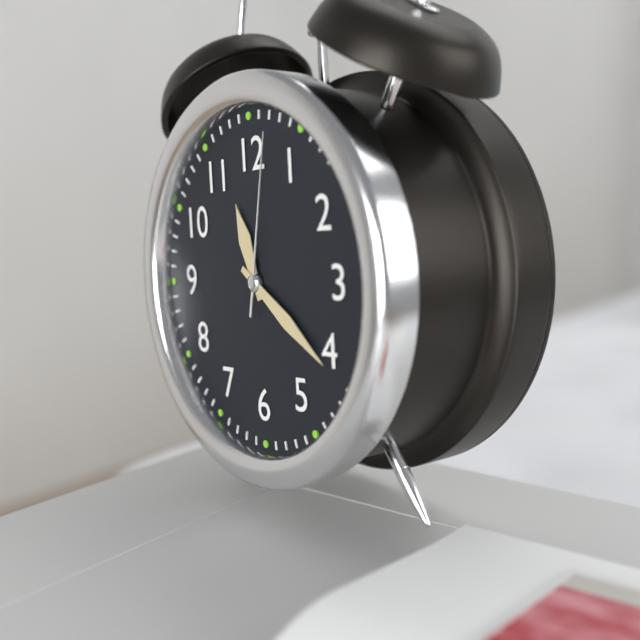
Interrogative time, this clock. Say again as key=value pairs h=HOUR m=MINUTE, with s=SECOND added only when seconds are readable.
h=11 m=21 s=2
